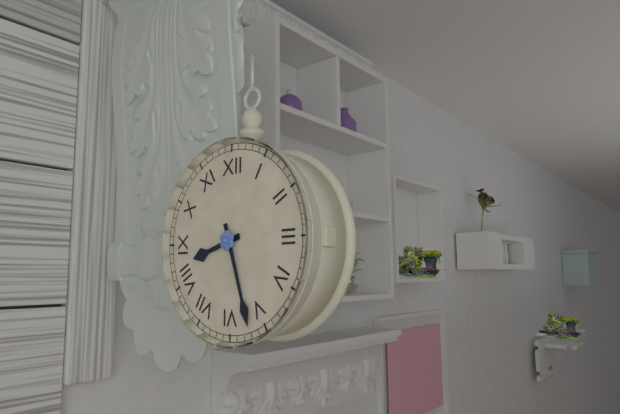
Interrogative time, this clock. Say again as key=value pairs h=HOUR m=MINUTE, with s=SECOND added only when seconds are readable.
h=8 m=27
